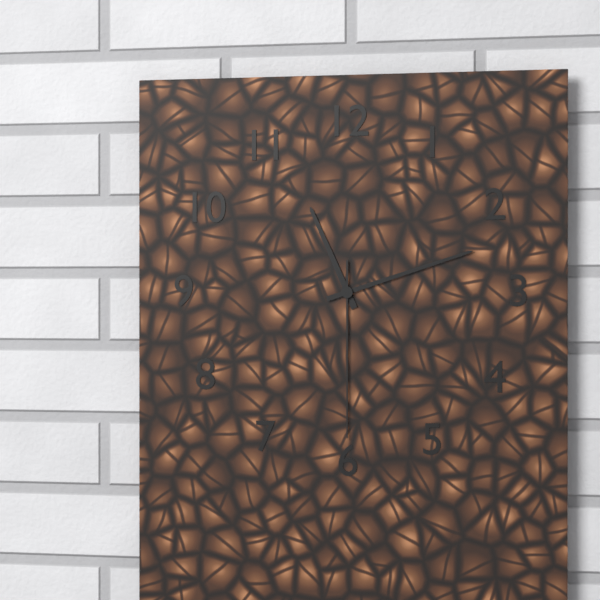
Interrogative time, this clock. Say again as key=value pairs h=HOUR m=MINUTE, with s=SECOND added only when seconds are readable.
h=11 m=12 s=30
